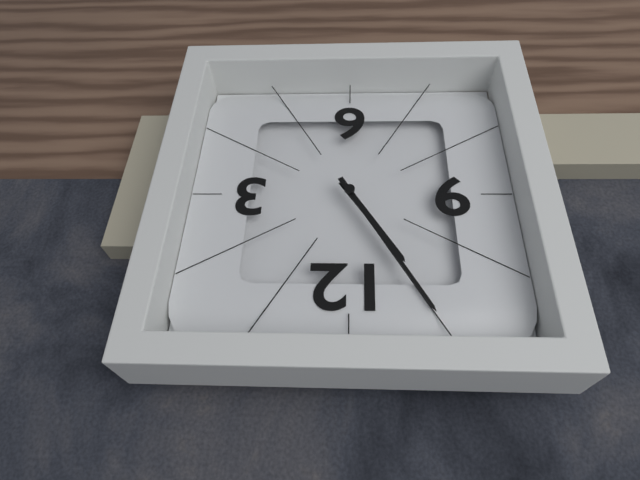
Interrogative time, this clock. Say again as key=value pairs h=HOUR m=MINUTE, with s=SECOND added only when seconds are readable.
h=10 m=55
